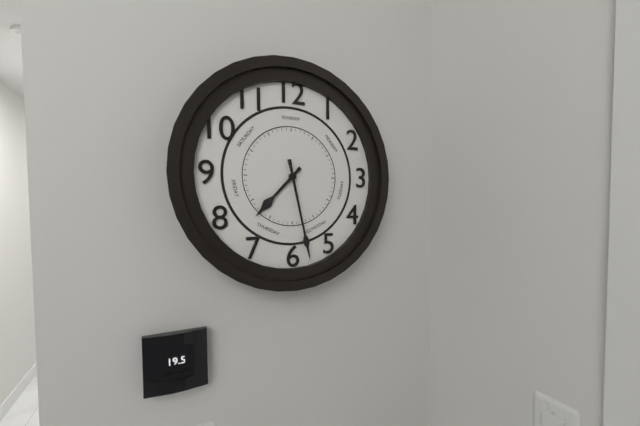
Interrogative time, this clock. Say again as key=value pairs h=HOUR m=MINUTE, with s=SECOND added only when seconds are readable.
h=7 m=28
